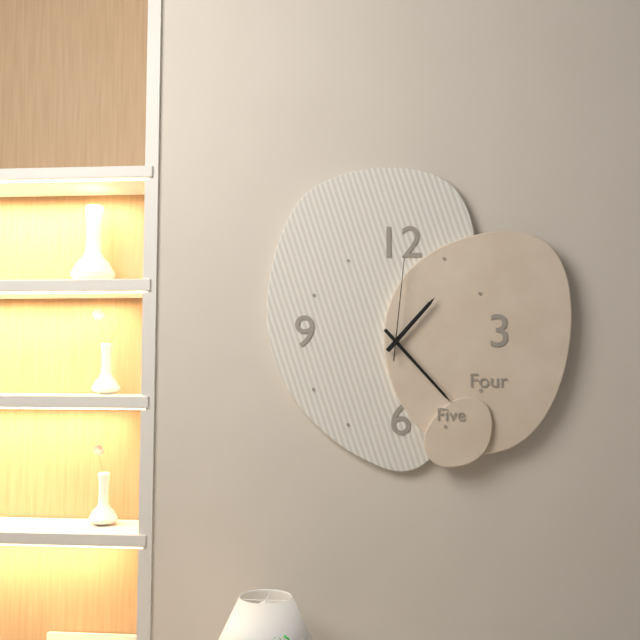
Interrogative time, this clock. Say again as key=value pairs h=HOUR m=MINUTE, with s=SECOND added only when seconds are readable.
h=1 m=23 s=1
